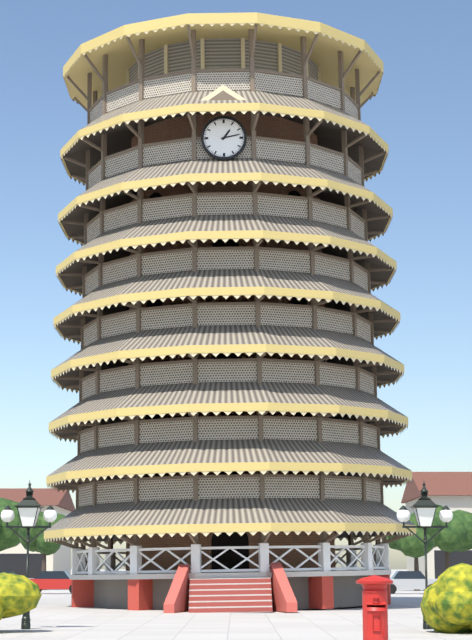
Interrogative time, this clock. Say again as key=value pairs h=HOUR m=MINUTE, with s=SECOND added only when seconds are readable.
h=1 m=13
